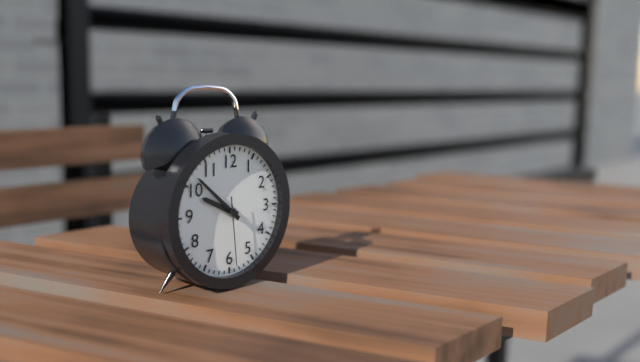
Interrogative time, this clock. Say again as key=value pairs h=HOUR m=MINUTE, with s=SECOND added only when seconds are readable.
h=9 m=52 s=29
